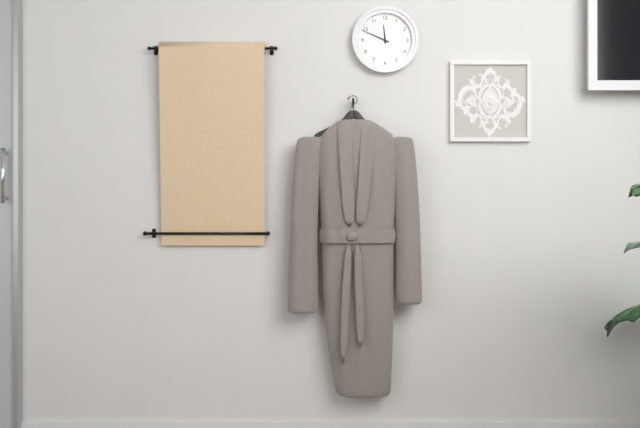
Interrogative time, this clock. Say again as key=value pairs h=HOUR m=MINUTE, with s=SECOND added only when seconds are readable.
h=11 m=49
